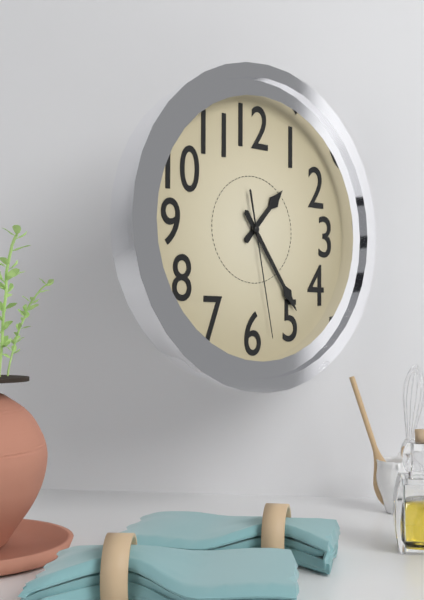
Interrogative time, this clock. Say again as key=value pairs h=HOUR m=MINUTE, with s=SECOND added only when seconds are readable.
h=1 m=24 s=28
